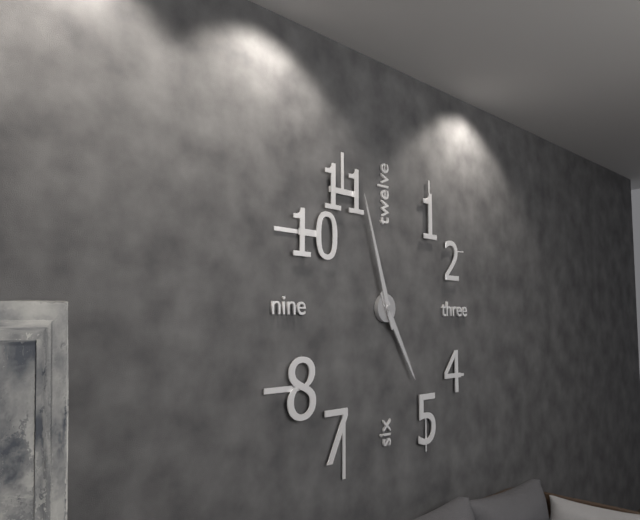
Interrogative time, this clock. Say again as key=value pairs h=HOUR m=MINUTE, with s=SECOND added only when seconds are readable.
h=4 m=57
